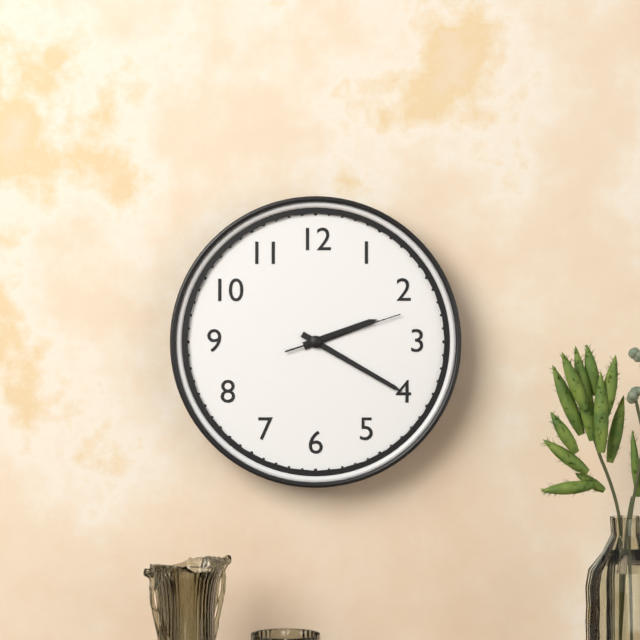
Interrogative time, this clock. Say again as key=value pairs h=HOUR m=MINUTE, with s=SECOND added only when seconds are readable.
h=2 m=20 s=12
